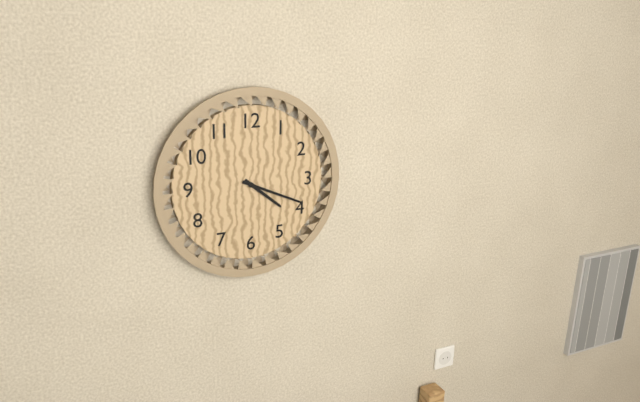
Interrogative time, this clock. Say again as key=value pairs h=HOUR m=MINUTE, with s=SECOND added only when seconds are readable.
h=4 m=19
